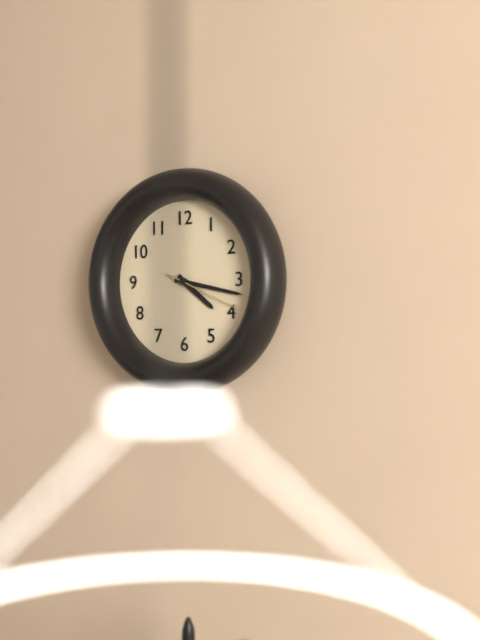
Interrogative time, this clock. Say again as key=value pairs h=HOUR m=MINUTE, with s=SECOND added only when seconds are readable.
h=4 m=17 s=19
